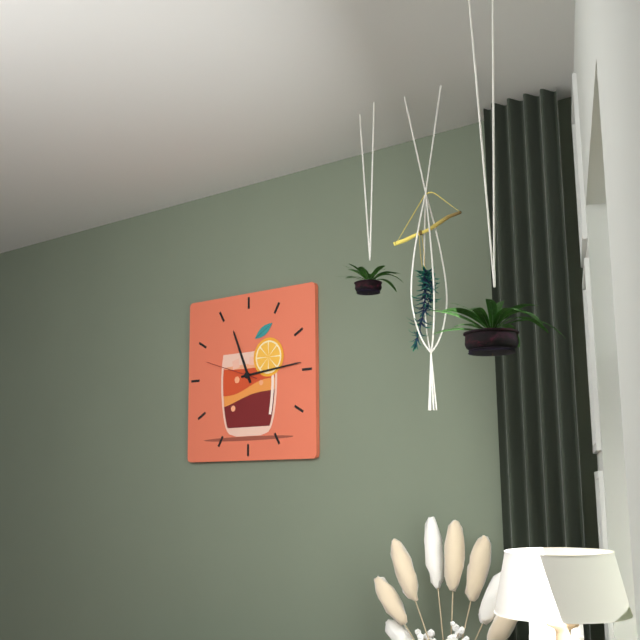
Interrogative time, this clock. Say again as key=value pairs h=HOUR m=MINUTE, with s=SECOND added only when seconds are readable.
h=11 m=14 s=48
